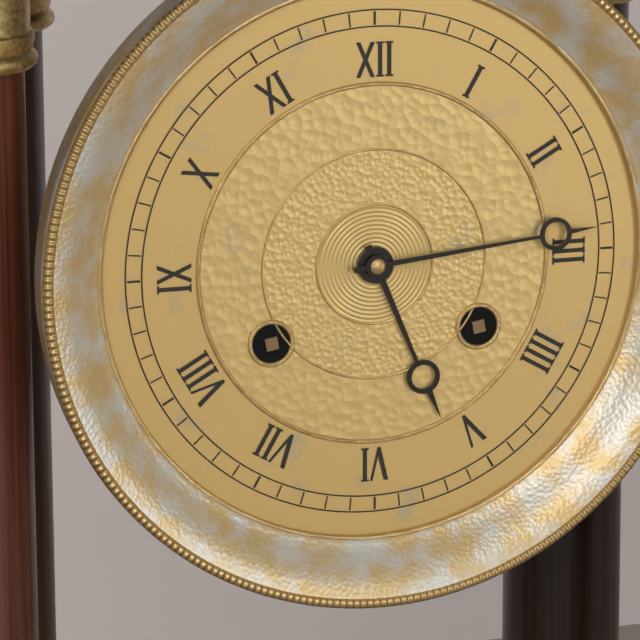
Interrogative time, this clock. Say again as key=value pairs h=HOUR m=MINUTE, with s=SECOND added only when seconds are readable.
h=5 m=14
